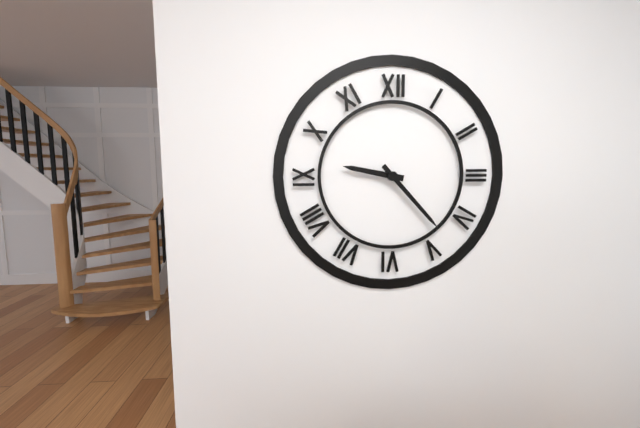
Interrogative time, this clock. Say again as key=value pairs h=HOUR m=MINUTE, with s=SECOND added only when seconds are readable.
h=9 m=23
